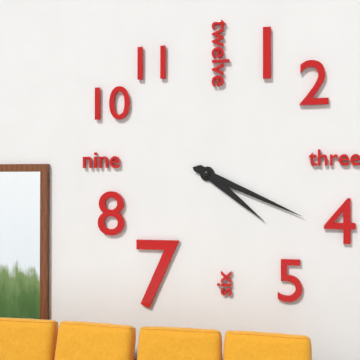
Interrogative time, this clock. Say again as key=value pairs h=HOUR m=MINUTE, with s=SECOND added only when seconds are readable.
h=4 m=19
